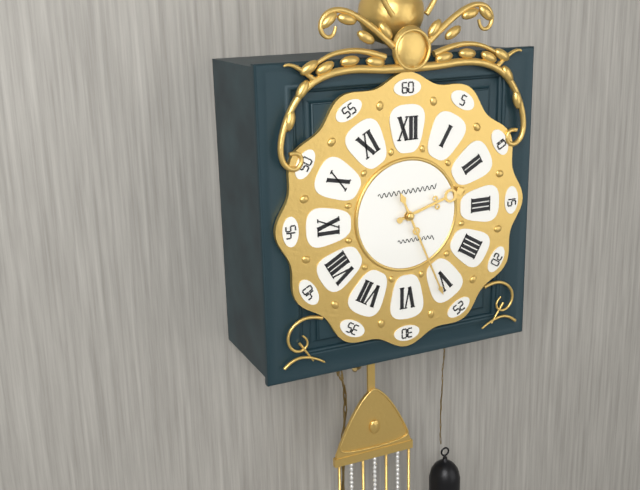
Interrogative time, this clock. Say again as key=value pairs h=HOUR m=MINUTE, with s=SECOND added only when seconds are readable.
h=2 m=26
